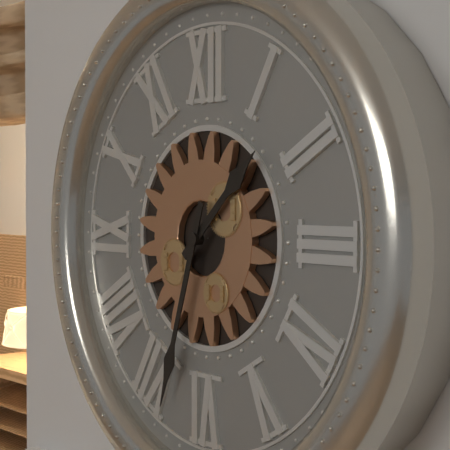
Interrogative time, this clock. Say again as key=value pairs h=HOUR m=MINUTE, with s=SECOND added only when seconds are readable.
h=1 m=33
